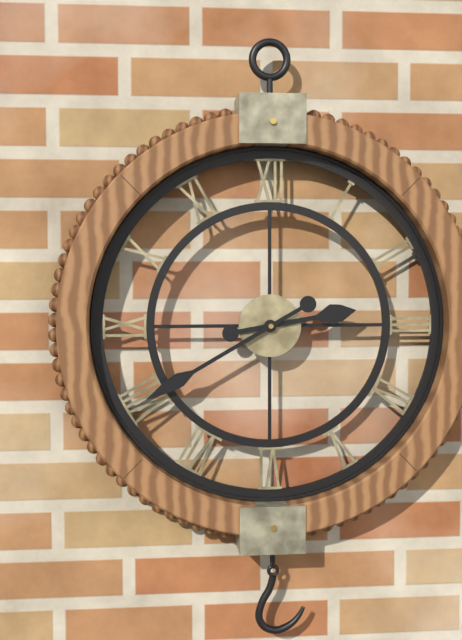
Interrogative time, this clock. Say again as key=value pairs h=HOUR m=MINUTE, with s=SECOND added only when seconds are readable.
h=2 m=40
